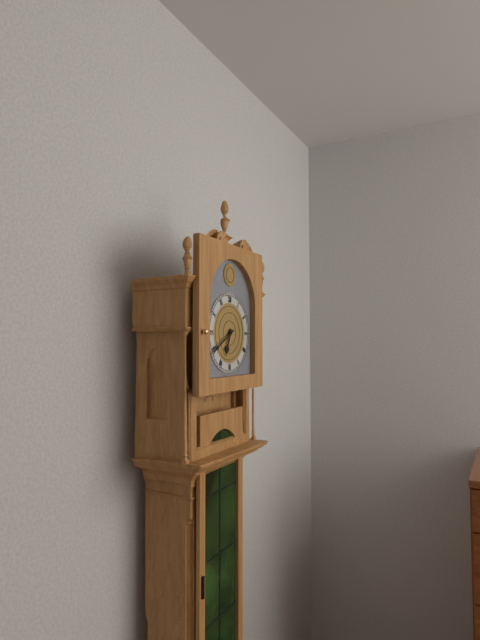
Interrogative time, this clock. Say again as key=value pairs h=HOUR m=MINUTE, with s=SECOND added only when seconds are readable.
h=6 m=40
